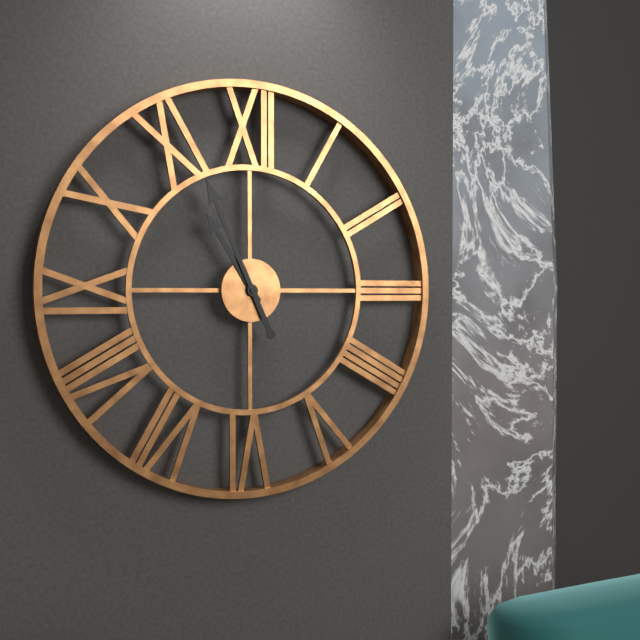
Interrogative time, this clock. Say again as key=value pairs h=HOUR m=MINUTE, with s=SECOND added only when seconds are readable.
h=10 m=56
